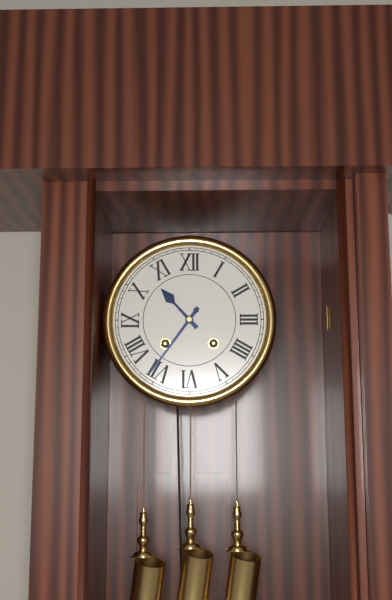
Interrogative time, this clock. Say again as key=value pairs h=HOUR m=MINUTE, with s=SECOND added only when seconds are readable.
h=10 m=36
